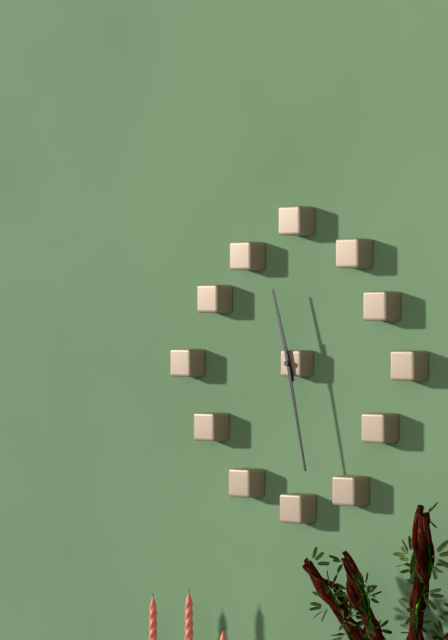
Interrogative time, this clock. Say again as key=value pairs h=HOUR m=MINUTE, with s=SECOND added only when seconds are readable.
h=11 m=28
